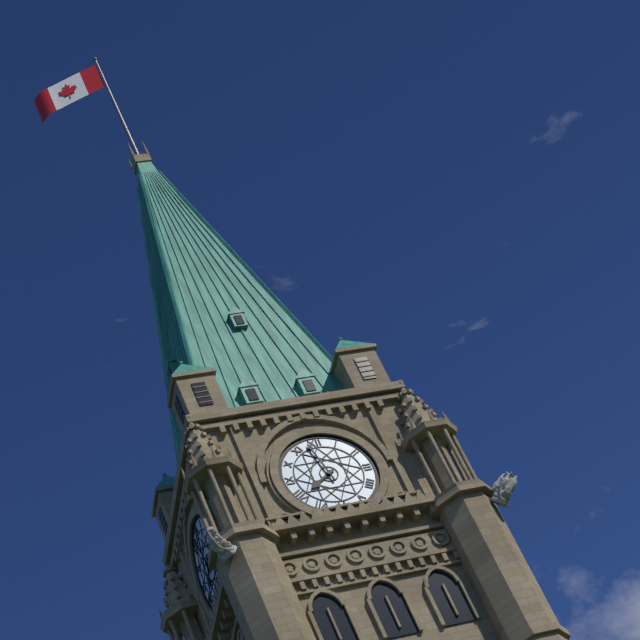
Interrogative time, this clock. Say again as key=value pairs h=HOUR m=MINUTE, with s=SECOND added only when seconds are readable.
h=7 m=58
